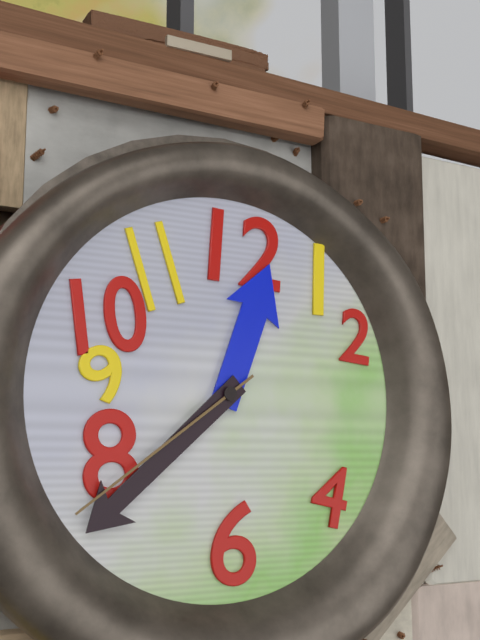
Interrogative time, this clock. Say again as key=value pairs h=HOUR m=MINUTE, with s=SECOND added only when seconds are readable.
h=12 m=38 s=39
